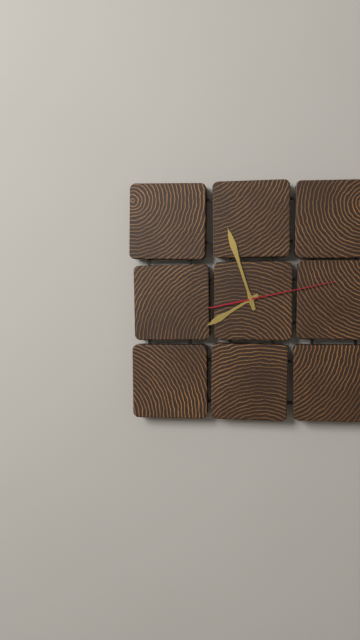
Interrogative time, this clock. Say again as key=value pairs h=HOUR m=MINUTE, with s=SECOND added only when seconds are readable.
h=7 m=57 s=13
